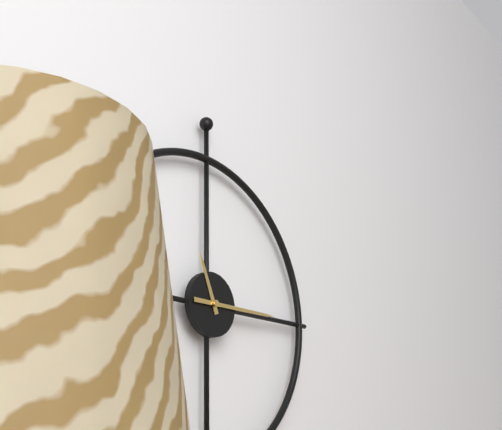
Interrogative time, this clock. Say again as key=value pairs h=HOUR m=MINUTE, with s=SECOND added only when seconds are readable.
h=11 m=15
